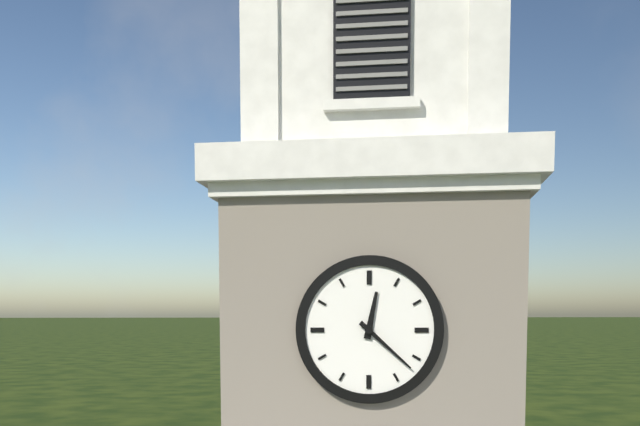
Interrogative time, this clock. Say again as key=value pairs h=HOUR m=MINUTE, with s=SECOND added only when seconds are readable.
h=12 m=22
